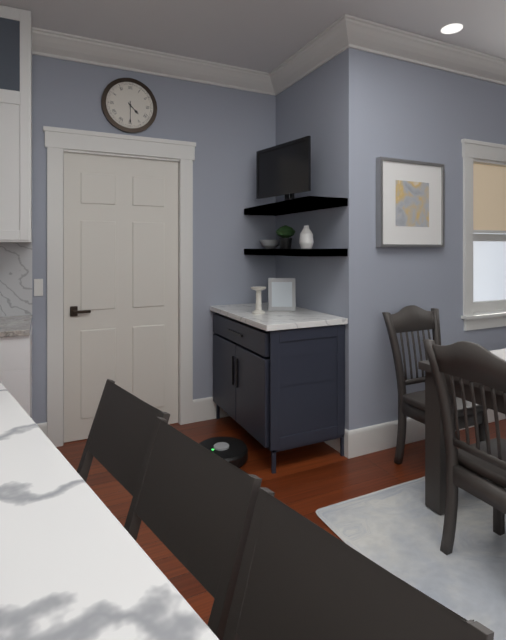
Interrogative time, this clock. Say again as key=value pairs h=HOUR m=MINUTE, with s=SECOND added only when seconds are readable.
h=4 m=30
